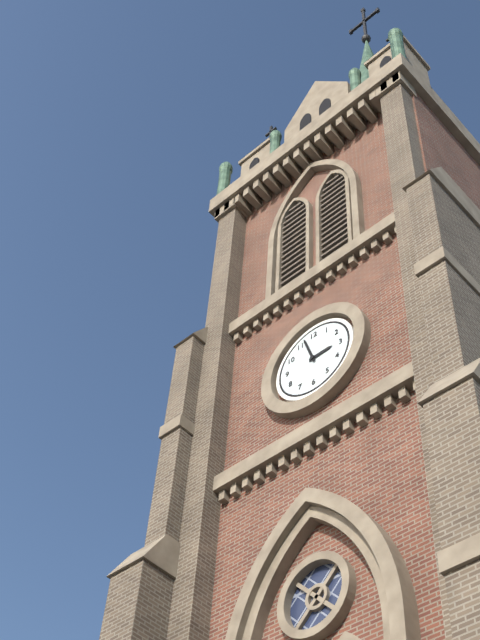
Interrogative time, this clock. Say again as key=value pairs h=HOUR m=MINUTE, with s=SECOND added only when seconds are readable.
h=2 m=57
